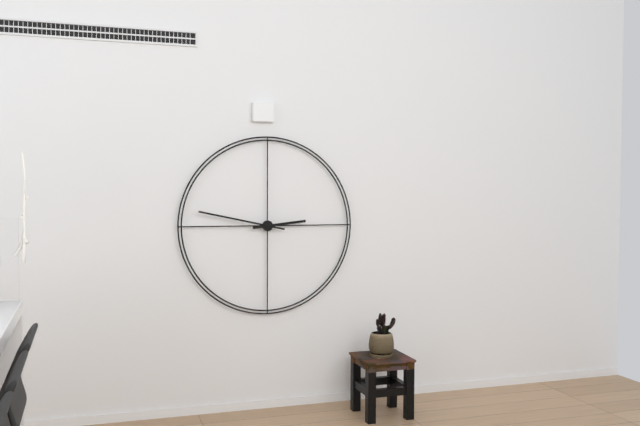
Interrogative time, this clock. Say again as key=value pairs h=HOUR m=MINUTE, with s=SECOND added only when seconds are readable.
h=2 m=47
